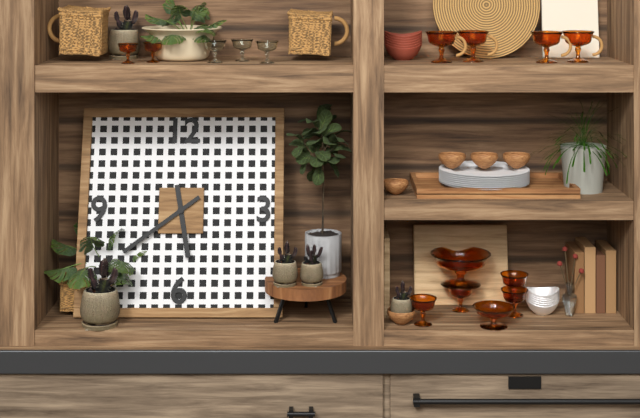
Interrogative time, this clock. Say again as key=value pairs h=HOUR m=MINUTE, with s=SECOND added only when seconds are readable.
h=5 m=39
